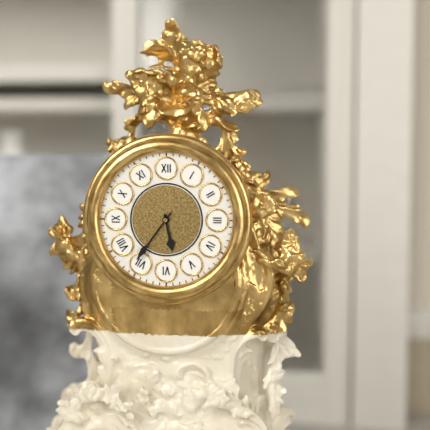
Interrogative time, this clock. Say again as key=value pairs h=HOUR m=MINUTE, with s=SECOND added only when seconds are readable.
h=5 m=36
